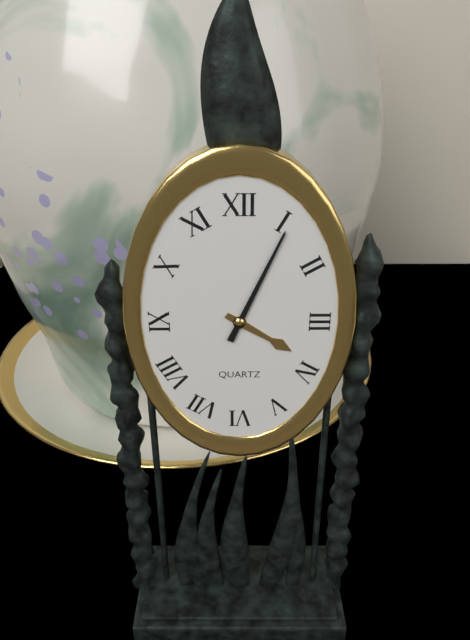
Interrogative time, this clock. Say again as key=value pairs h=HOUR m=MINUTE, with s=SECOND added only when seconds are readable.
h=4 m=4
